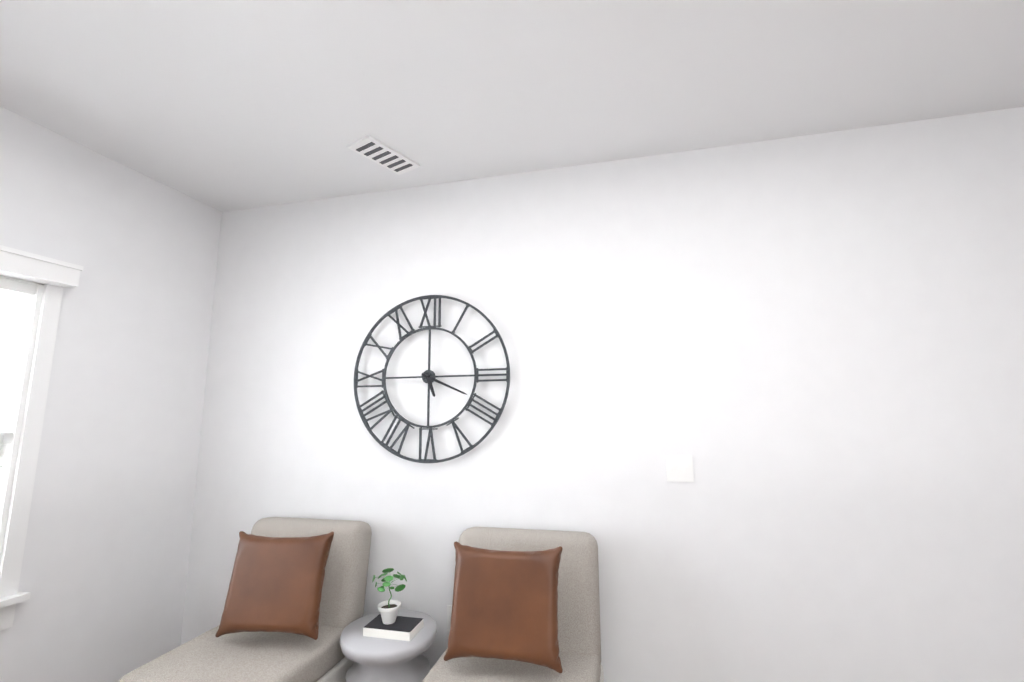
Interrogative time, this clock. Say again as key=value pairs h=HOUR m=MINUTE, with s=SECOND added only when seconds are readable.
h=5 m=19
